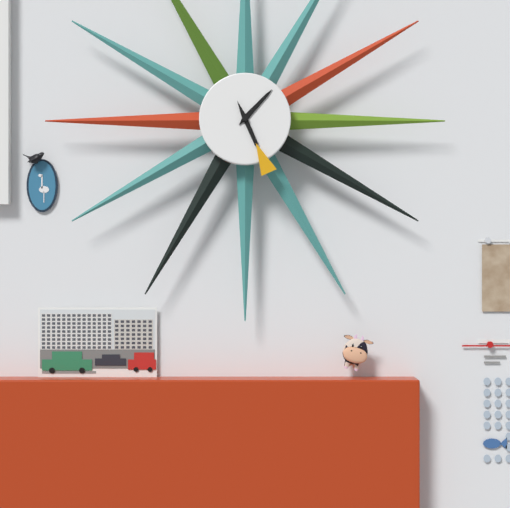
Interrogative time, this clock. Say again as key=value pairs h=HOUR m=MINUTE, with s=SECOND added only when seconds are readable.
h=1 m=26
